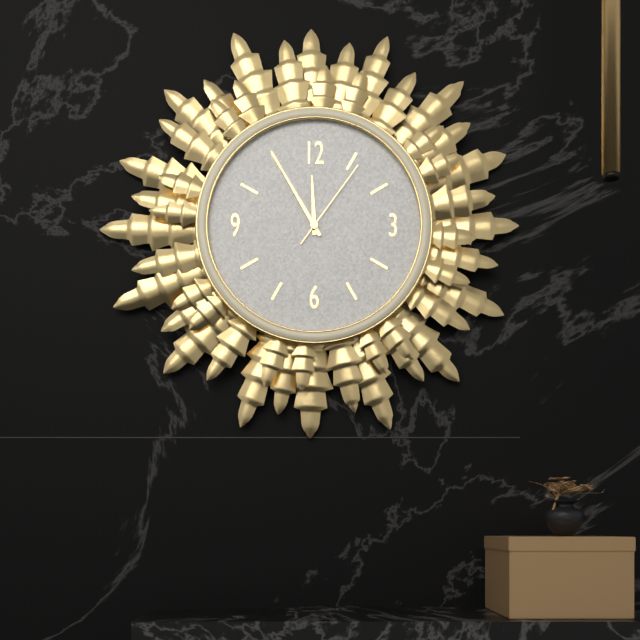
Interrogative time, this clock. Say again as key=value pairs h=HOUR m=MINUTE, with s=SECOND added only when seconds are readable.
h=11 m=55 s=6
